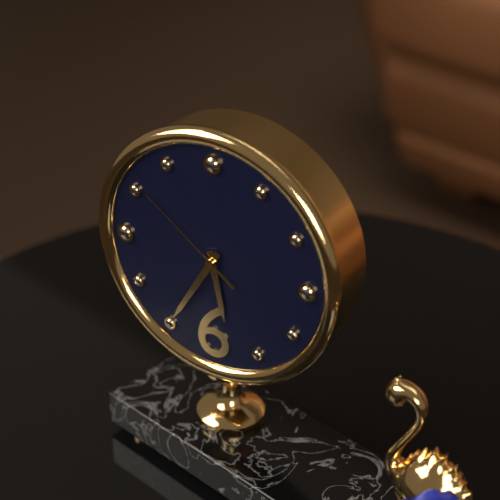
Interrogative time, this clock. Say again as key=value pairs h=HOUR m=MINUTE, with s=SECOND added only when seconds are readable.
h=5 m=35 s=51
